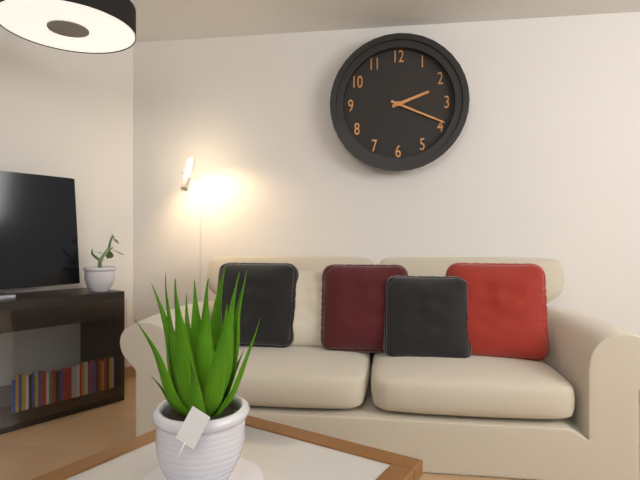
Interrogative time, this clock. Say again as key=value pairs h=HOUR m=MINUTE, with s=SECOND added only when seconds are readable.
h=2 m=19
